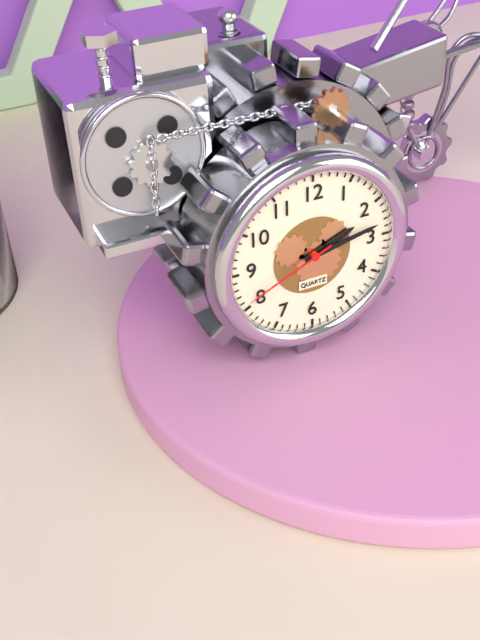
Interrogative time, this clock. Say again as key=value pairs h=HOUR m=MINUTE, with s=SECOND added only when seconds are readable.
h=2 m=13 s=41
